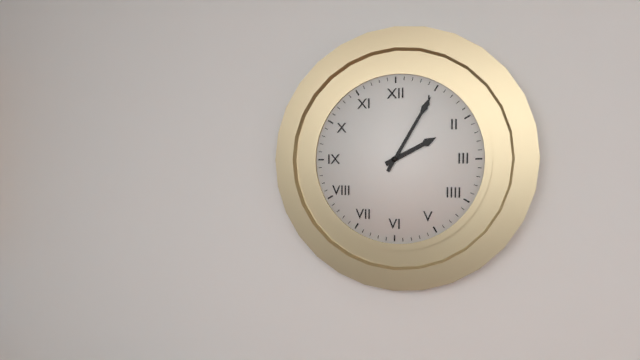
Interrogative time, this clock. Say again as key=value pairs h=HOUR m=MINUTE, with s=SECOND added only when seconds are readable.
h=2 m=5
